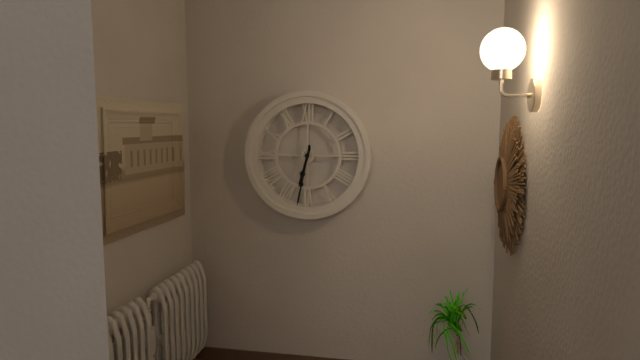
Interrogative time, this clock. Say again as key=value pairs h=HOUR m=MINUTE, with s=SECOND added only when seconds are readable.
h=6 m=32
